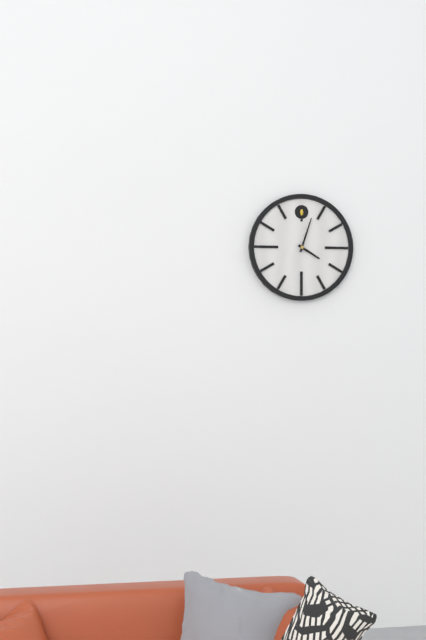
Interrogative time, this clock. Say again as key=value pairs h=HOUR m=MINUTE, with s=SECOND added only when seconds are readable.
h=4 m=3
